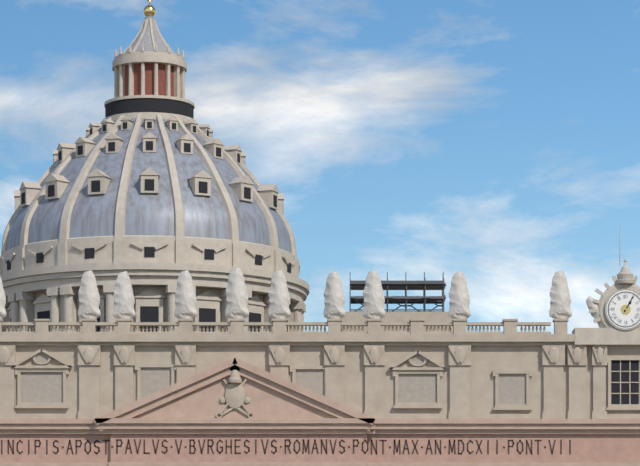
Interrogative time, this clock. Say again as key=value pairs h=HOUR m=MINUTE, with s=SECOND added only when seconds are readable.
h=1 m=5
